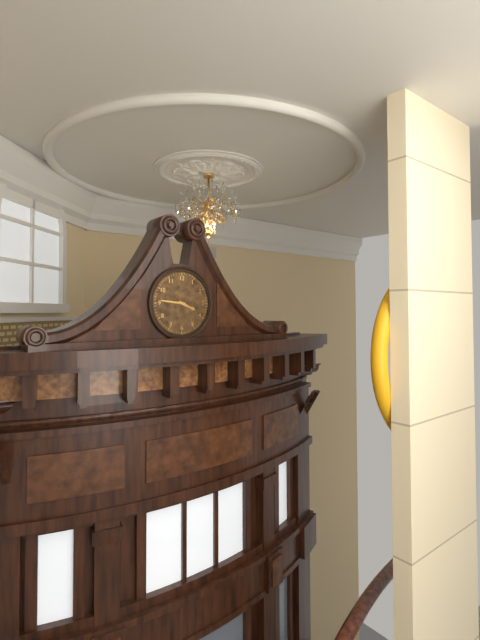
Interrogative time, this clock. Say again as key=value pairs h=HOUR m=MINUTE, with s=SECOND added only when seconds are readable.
h=3 m=46
